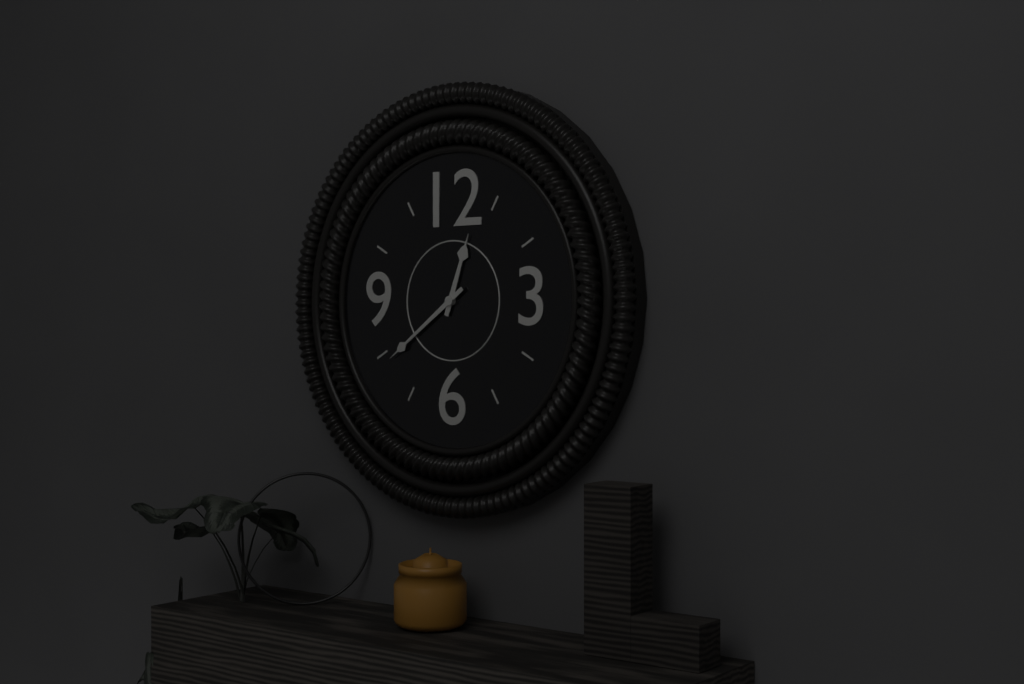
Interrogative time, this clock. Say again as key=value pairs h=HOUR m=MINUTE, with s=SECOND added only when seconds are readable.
h=12 m=39
